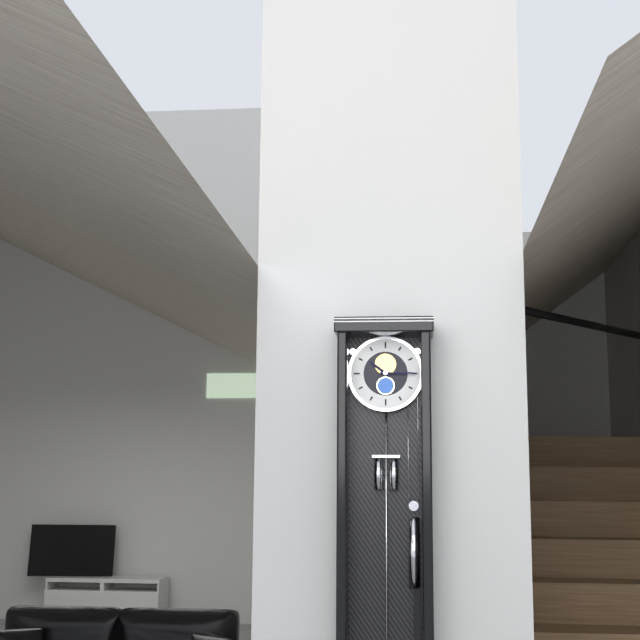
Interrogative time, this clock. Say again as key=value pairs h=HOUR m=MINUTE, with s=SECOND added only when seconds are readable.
h=10 m=15
